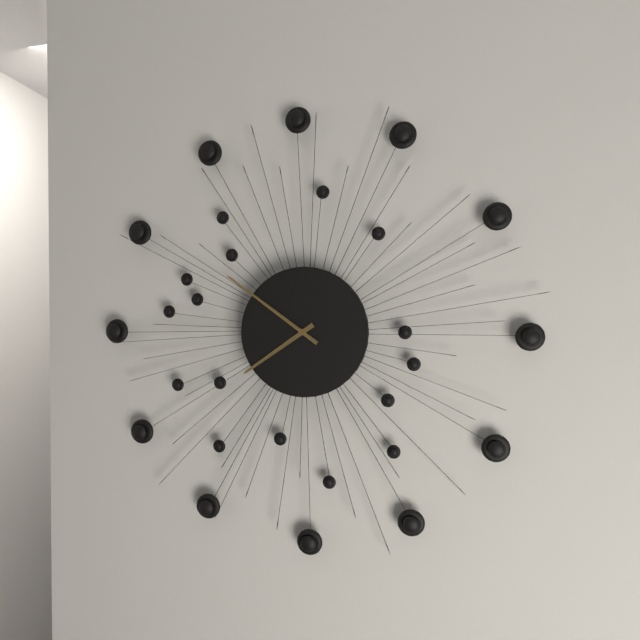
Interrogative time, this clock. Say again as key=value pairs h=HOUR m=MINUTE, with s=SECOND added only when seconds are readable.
h=7 m=51
